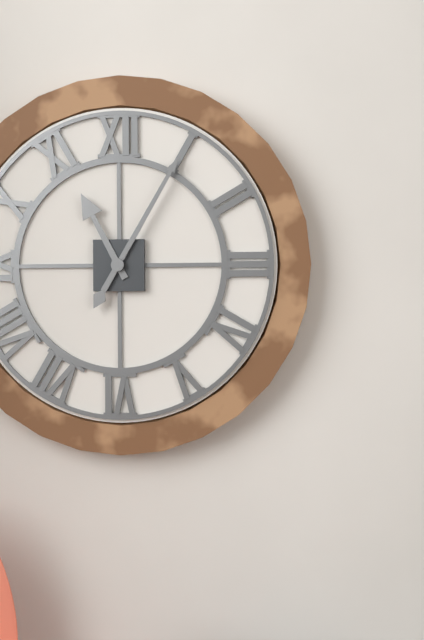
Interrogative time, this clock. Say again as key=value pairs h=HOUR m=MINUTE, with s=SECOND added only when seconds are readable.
h=11 m=5
